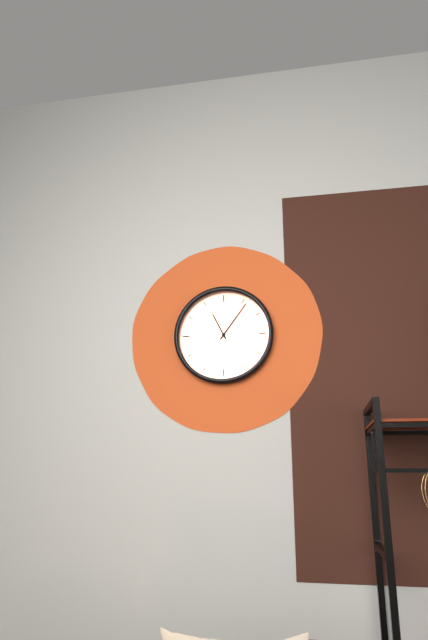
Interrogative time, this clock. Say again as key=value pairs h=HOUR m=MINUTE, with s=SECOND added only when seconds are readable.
h=11 m=6
